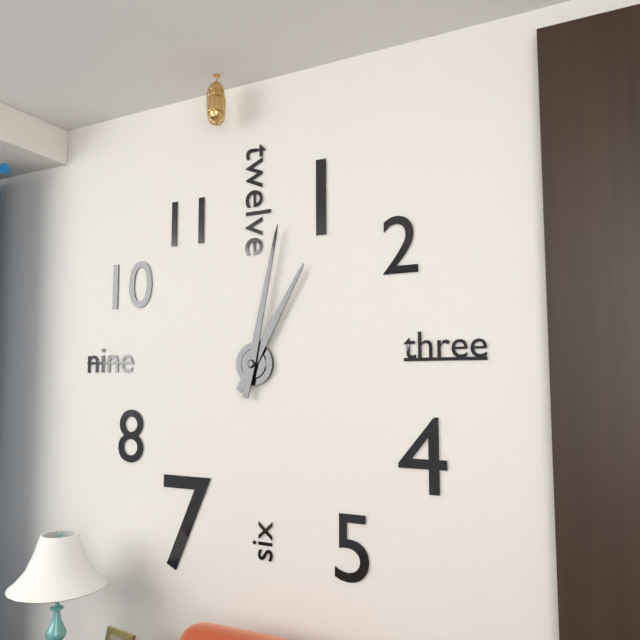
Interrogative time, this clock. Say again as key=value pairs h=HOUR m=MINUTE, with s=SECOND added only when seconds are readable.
h=1 m=2
